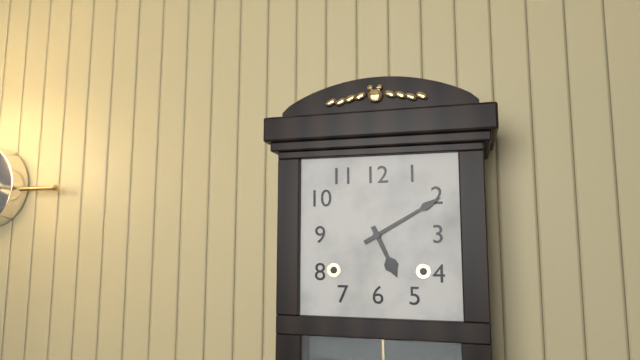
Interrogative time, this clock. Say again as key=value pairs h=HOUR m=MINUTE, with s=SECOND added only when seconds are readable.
h=5 m=10
